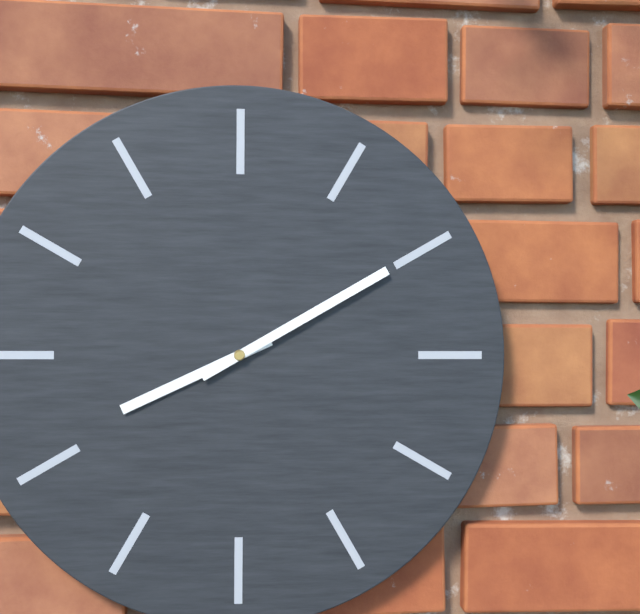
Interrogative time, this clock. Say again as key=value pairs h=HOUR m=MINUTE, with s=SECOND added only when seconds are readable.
h=8 m=10
